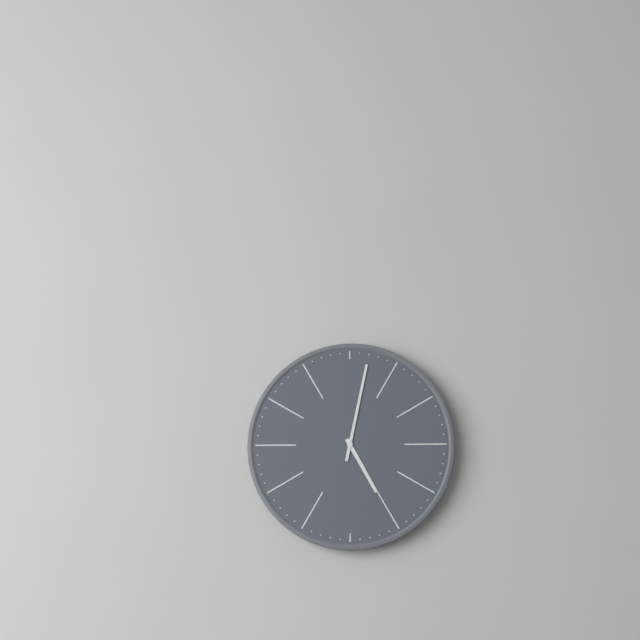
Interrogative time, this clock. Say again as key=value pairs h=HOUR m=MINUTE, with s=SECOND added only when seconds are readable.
h=5 m=2
